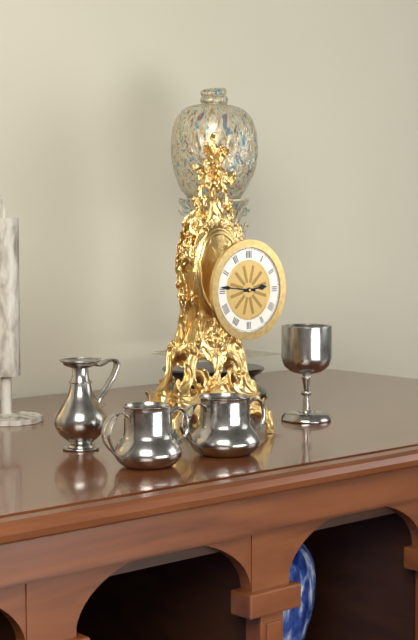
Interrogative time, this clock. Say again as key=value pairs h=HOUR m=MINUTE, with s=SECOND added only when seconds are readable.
h=2 m=46
